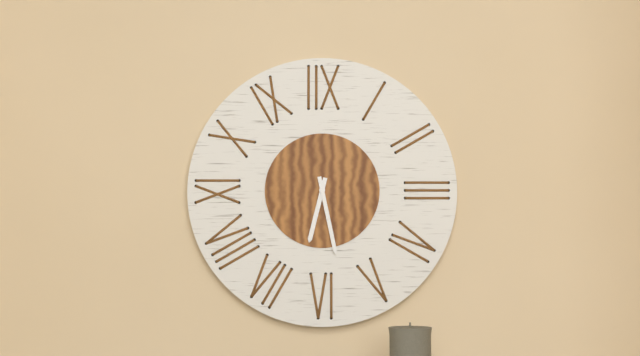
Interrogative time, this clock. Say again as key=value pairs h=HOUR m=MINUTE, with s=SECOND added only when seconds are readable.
h=6 m=28
